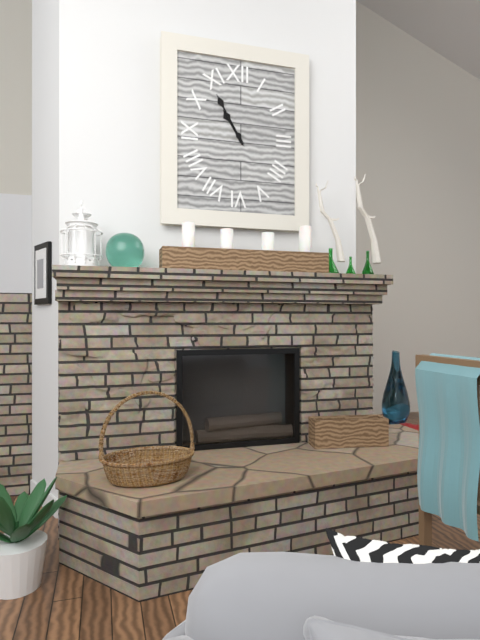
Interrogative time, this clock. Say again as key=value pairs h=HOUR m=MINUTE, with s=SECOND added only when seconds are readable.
h=10 m=55
